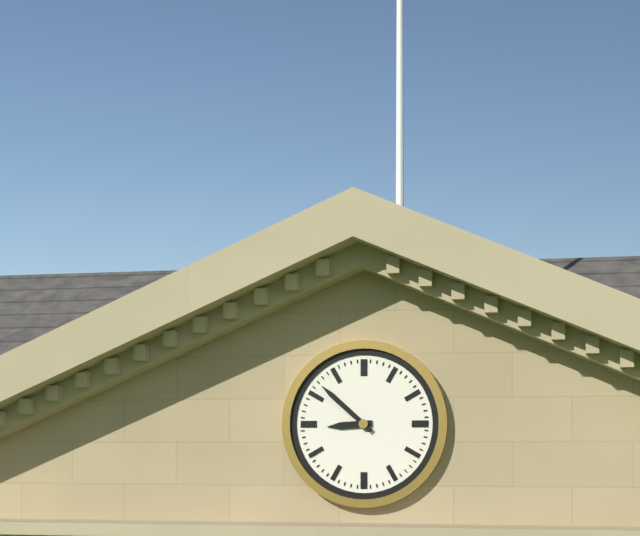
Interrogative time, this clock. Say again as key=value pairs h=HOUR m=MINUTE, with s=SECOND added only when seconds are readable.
h=8 m=52
